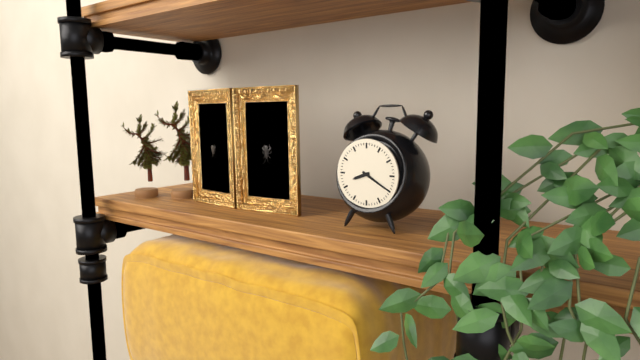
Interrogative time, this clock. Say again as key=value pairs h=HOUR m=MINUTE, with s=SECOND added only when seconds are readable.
h=8 m=20
